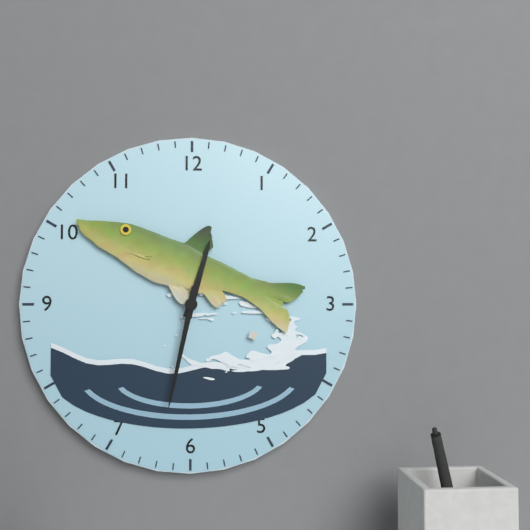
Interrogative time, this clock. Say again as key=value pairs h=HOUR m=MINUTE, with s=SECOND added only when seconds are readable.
h=12 m=32
